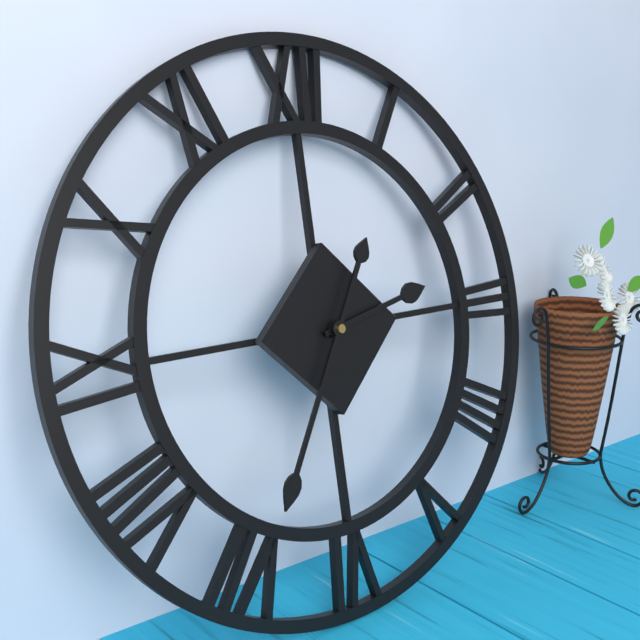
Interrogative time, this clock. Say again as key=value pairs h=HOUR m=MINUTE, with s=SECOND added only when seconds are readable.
h=2 m=35
